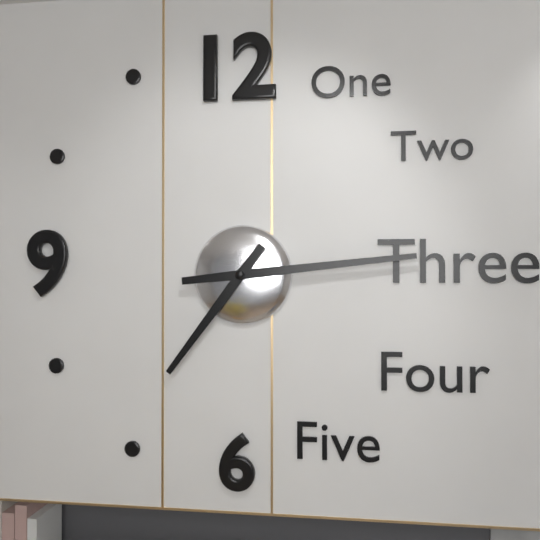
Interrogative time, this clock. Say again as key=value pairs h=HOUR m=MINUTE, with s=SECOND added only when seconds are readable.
h=7 m=14
